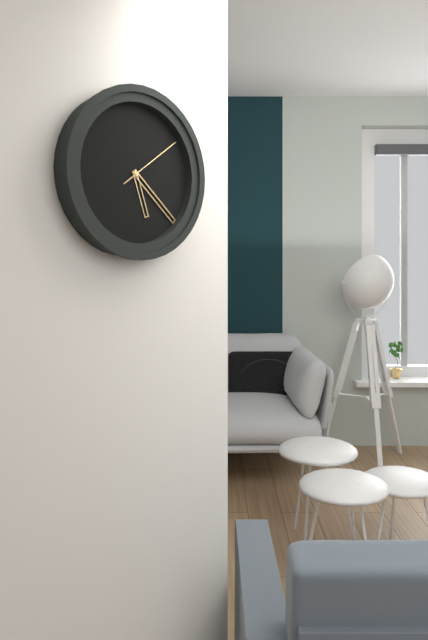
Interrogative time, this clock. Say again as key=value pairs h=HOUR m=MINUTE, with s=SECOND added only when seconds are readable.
h=5 m=22 s=9
